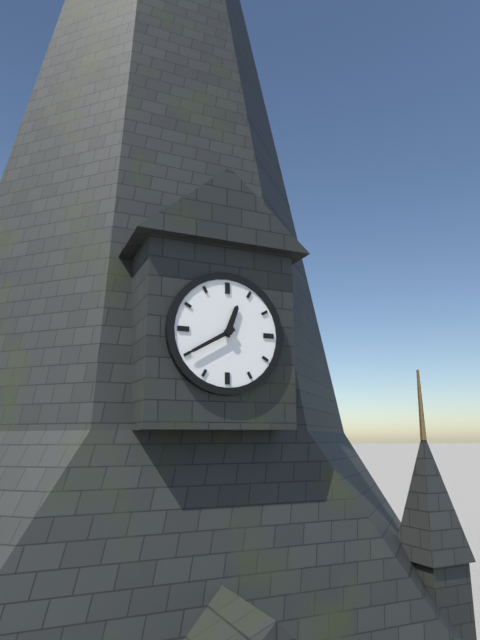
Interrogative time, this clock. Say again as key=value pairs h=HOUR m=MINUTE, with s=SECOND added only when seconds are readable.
h=12 m=40
